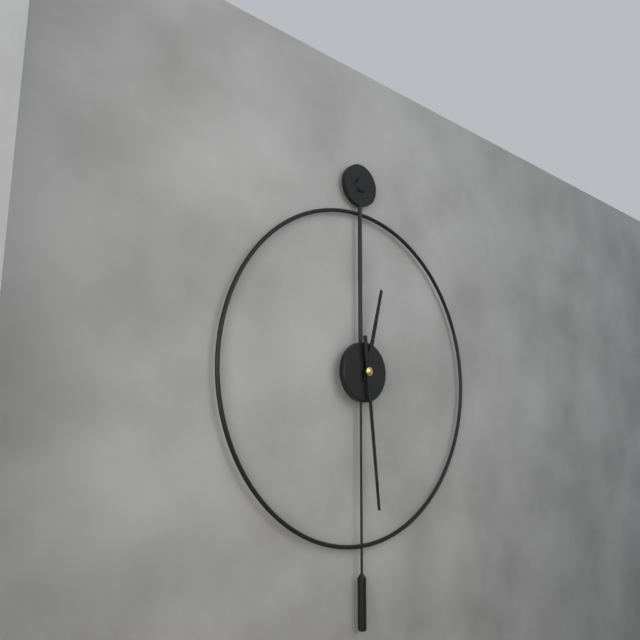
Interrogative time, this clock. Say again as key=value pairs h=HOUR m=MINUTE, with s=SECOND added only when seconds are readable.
h=12 m=29
